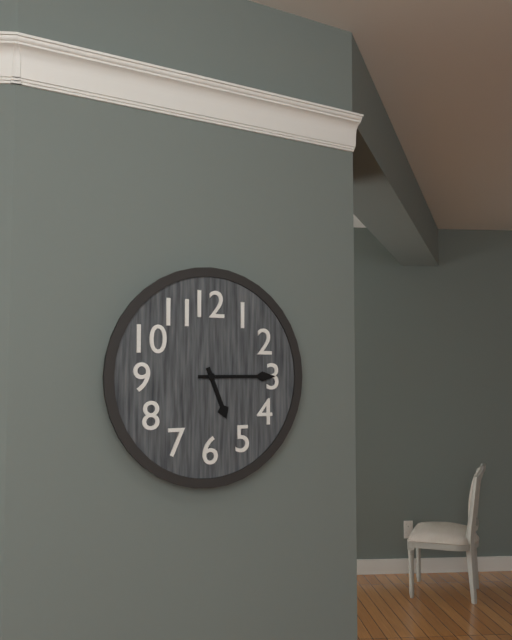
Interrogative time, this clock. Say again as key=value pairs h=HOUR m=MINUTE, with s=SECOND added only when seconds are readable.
h=5 m=15
